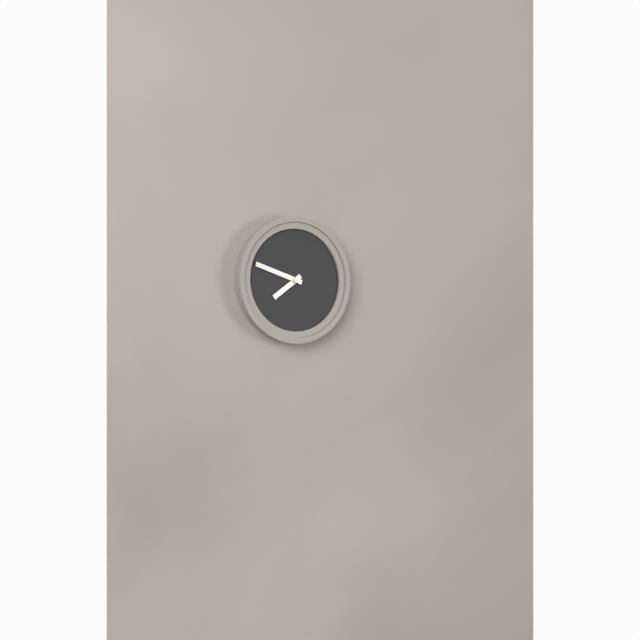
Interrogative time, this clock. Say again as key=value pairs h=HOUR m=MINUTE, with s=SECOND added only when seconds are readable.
h=7 m=48
